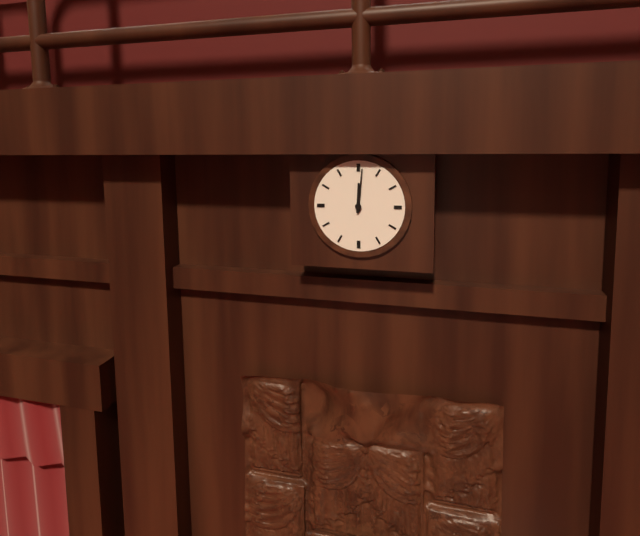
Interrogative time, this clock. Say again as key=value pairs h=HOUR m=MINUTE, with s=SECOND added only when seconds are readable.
h=12 m=1
